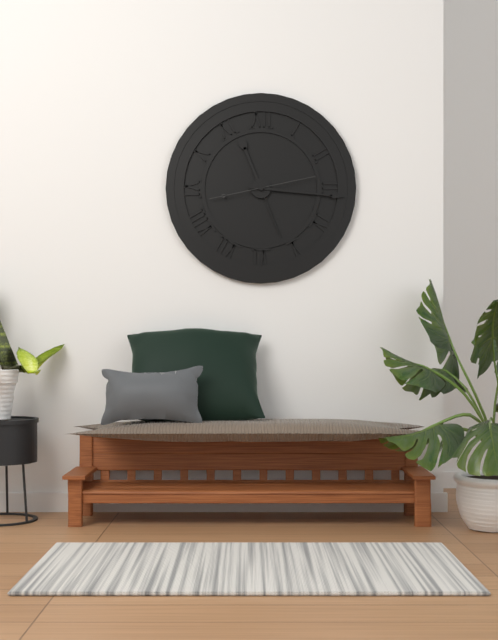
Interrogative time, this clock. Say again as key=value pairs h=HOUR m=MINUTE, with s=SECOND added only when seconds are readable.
h=11 m=16 s=13
